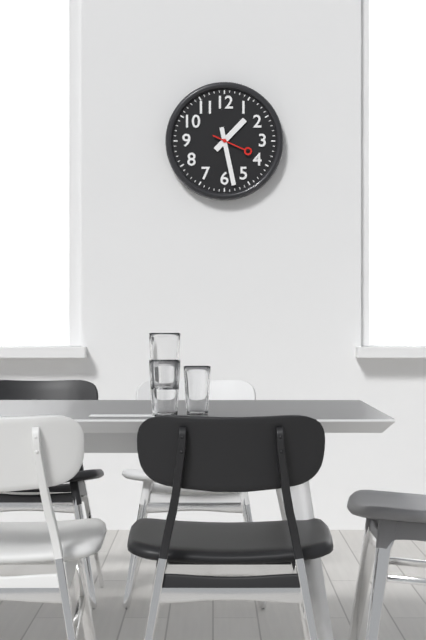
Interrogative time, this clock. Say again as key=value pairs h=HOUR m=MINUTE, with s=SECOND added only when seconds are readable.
h=1 m=28
